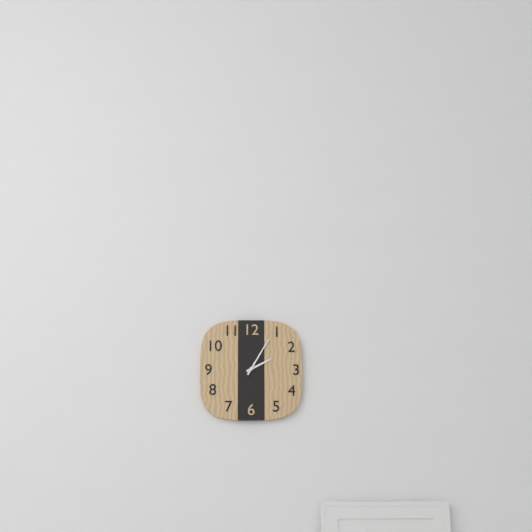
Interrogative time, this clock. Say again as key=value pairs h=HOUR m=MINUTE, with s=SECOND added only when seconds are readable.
h=2 m=5
